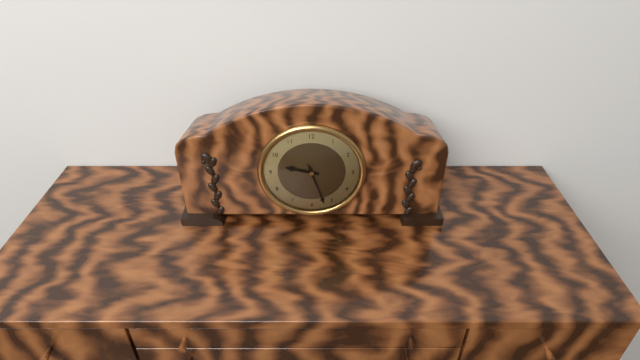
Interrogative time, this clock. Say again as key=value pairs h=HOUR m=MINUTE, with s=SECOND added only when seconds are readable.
h=9 m=27
